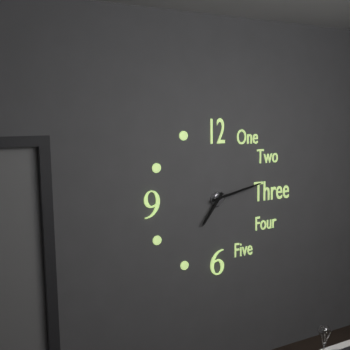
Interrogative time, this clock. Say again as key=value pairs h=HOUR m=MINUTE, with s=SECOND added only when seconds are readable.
h=7 m=13
